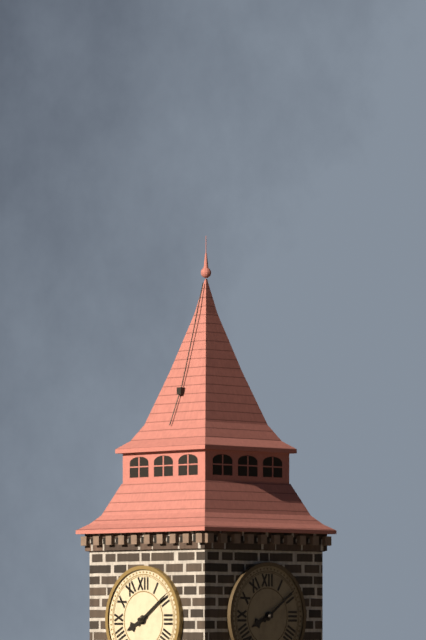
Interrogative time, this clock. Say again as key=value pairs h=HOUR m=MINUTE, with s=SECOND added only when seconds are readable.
h=8 m=9
